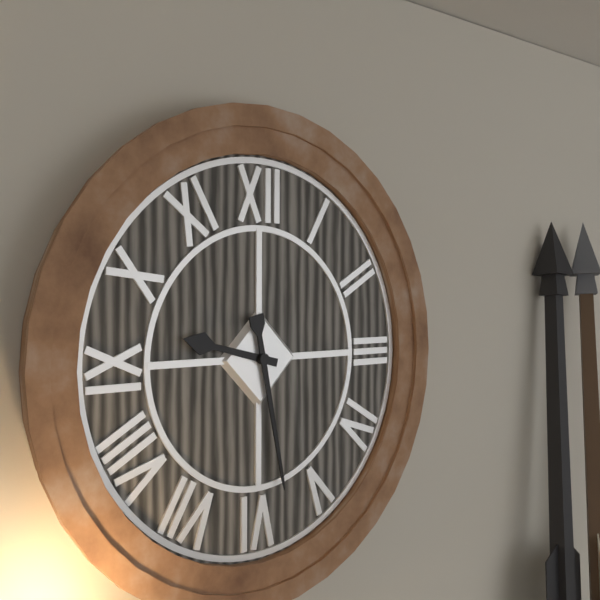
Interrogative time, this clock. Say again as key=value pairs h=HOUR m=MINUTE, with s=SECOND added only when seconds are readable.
h=9 m=28
